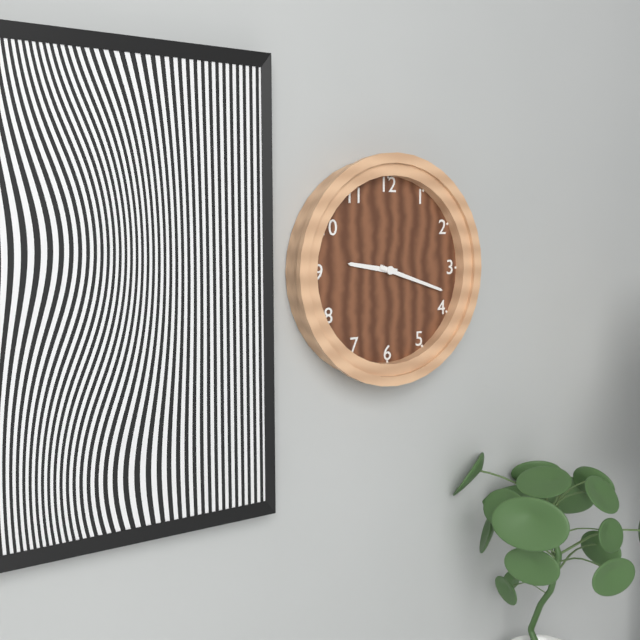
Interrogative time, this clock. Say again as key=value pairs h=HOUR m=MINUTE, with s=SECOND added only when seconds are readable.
h=9 m=18
